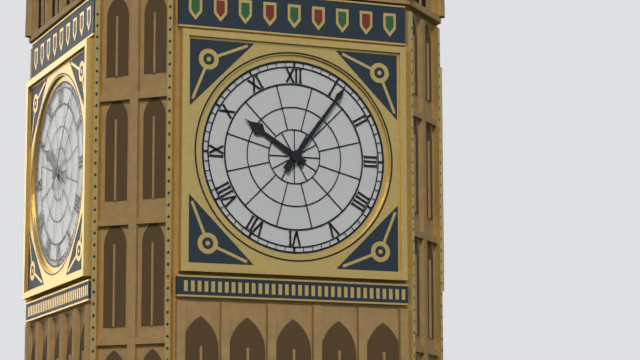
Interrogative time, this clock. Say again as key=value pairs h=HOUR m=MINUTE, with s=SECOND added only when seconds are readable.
h=10 m=6
